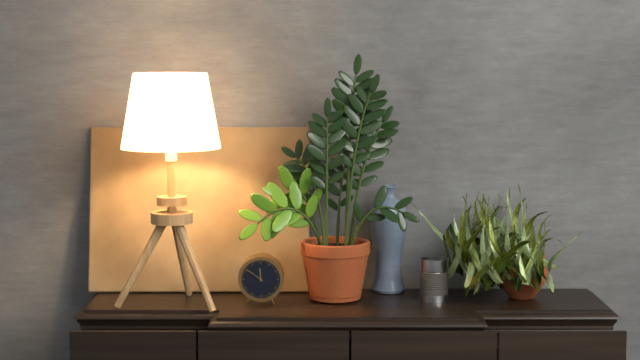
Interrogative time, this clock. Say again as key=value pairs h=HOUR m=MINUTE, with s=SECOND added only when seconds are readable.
h=11 m=51
